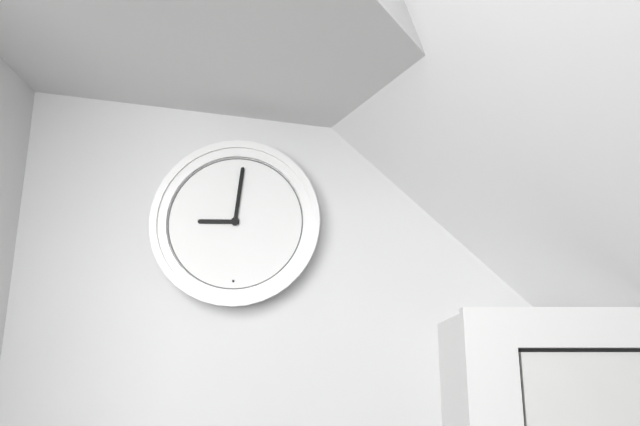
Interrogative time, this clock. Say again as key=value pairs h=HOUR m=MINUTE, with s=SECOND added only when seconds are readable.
h=9 m=1
